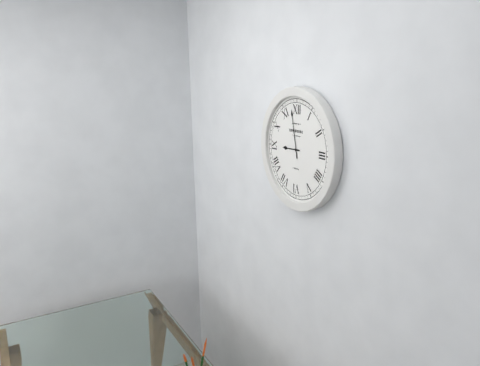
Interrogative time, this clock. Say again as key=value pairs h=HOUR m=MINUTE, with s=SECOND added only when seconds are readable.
h=8 m=58
